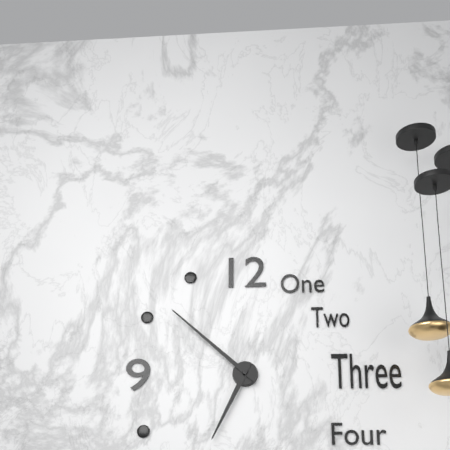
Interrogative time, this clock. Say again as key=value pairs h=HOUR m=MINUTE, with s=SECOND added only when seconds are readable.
h=6 m=52
